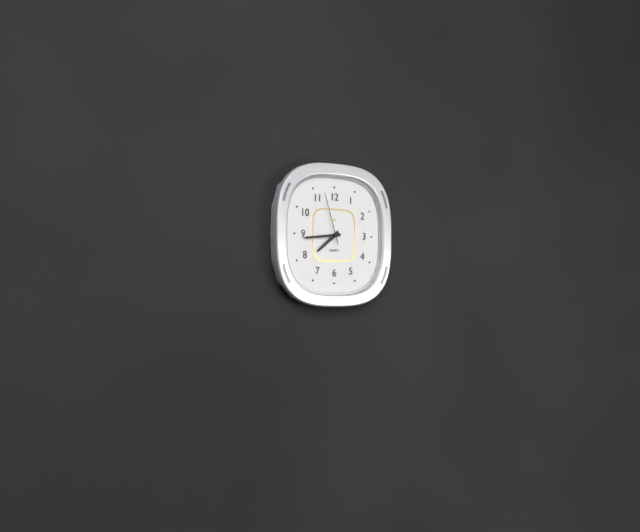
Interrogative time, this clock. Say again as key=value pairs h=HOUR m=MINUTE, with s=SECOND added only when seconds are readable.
h=7 m=44 s=57
